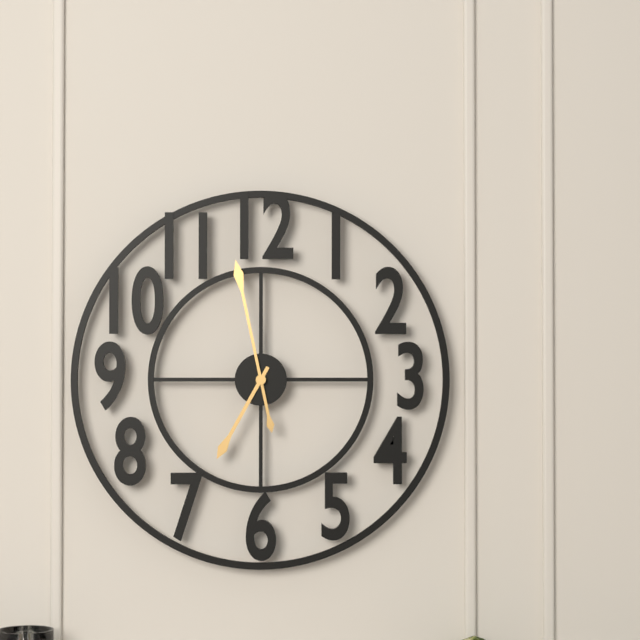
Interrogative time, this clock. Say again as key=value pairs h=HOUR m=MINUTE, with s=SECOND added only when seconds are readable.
h=6 m=58
